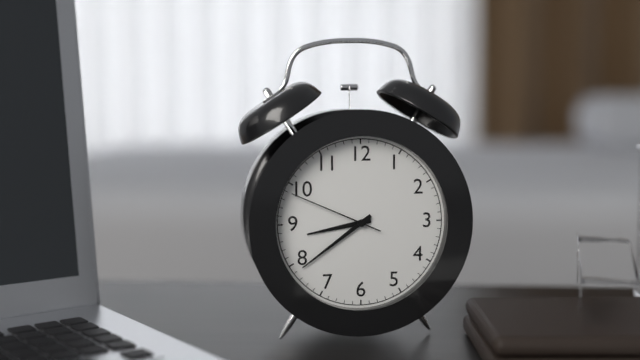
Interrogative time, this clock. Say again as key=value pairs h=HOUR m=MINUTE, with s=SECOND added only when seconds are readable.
h=8 m=39 s=49
